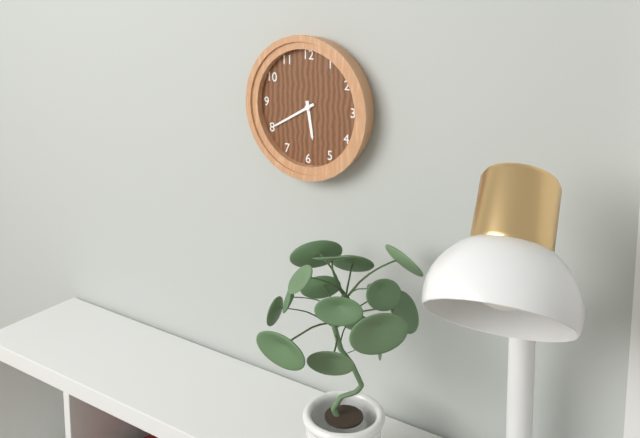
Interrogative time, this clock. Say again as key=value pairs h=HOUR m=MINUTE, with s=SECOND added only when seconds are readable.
h=5 m=40
